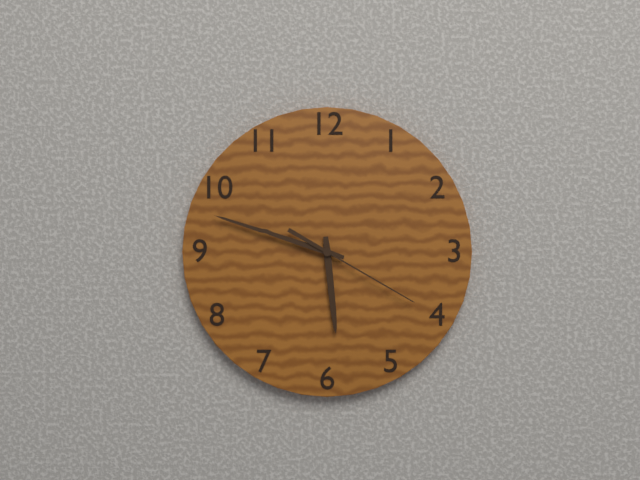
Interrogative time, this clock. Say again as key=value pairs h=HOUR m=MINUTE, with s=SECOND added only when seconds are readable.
h=5 m=48 s=20
